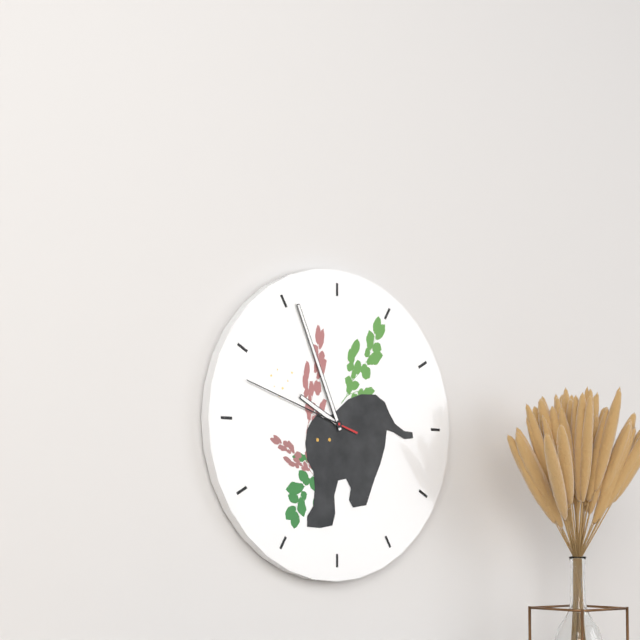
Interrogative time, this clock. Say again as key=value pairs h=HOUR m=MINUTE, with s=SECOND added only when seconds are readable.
h=9 m=56 s=48
